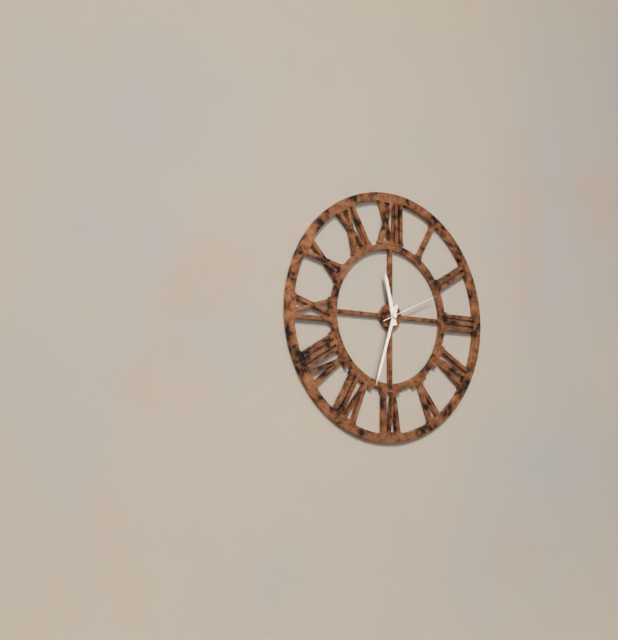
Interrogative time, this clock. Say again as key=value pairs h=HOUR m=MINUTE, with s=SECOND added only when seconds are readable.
h=11 m=33 s=11
